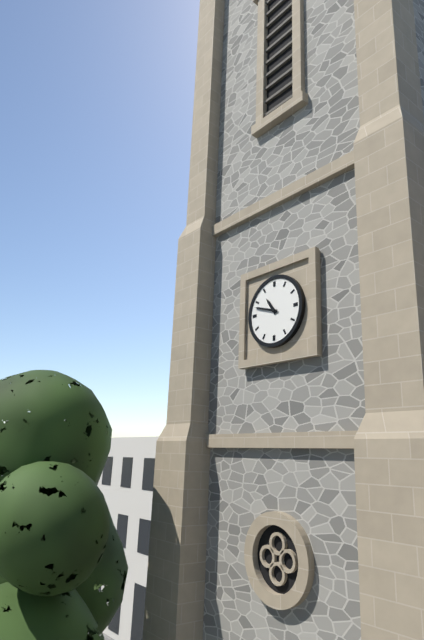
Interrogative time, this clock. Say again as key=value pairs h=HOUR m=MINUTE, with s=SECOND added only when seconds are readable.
h=10 m=48
